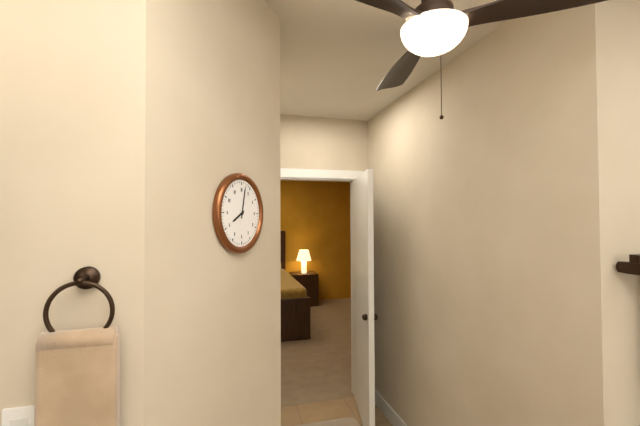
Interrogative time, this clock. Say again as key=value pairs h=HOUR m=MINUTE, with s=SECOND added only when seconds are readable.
h=8 m=2
